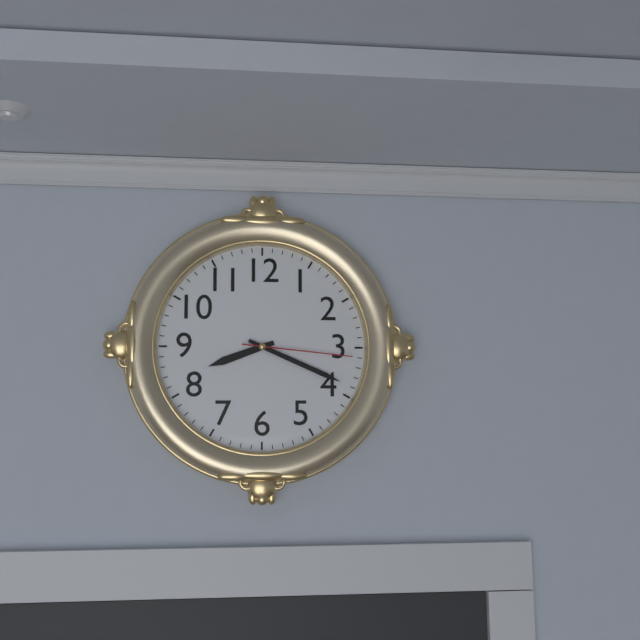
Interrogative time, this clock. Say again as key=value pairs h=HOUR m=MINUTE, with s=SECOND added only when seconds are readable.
h=8 m=19 s=16
